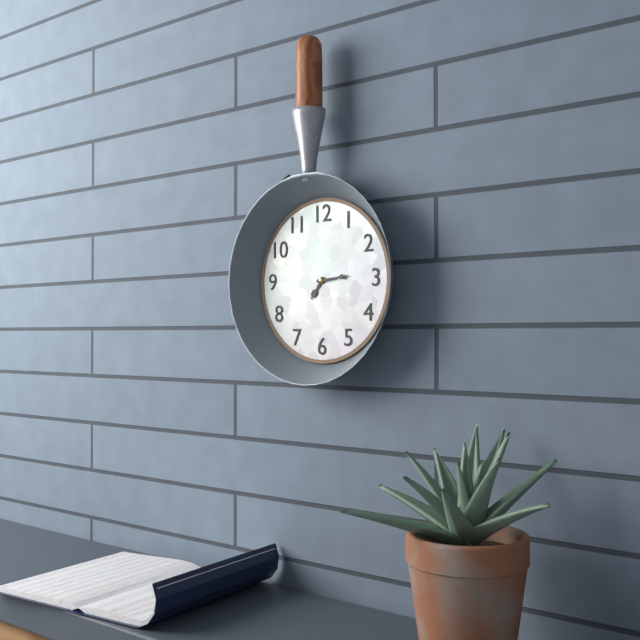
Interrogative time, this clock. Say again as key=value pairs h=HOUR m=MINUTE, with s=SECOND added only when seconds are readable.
h=7 m=14
